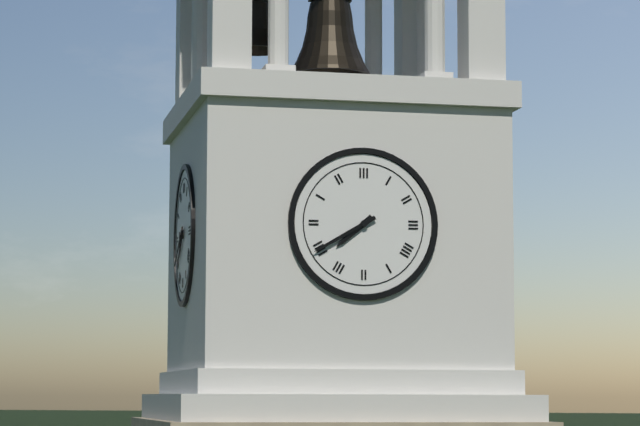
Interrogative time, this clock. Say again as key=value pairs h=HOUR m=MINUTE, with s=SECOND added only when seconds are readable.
h=7 m=40
